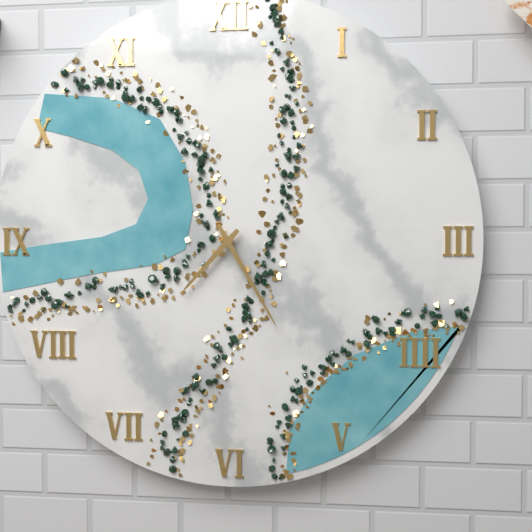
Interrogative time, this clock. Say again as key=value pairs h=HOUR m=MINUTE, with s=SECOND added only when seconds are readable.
h=7 m=25
